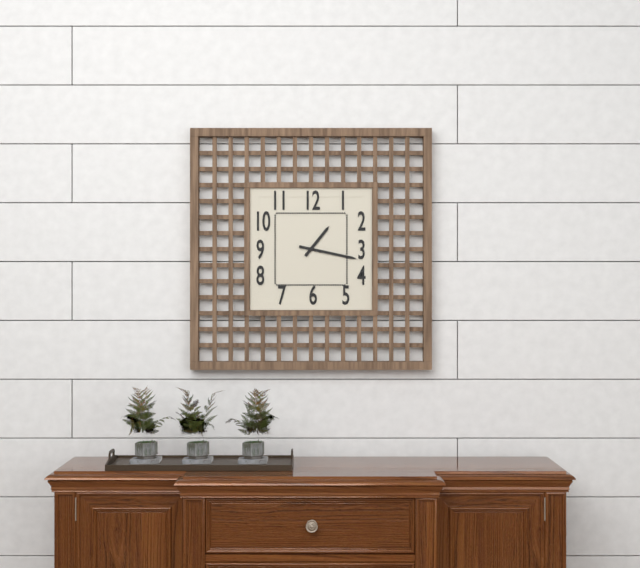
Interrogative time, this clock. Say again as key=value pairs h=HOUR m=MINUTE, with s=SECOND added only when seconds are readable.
h=1 m=17
